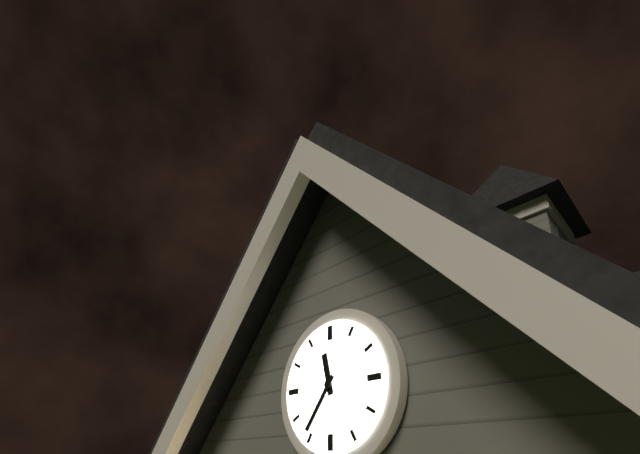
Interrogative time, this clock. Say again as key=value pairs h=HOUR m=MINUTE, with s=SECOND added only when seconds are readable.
h=11 m=36
